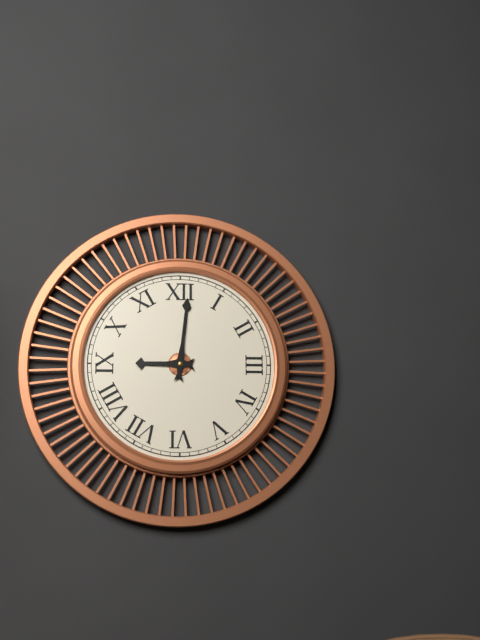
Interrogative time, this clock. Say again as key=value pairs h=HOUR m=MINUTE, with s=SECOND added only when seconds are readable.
h=9 m=1
